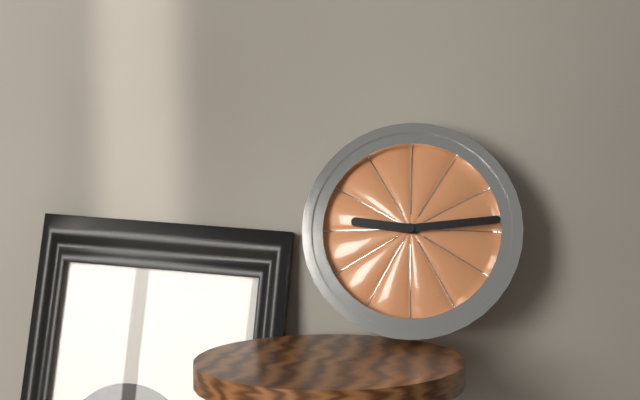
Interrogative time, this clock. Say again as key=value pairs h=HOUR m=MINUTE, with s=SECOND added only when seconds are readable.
h=9 m=14
